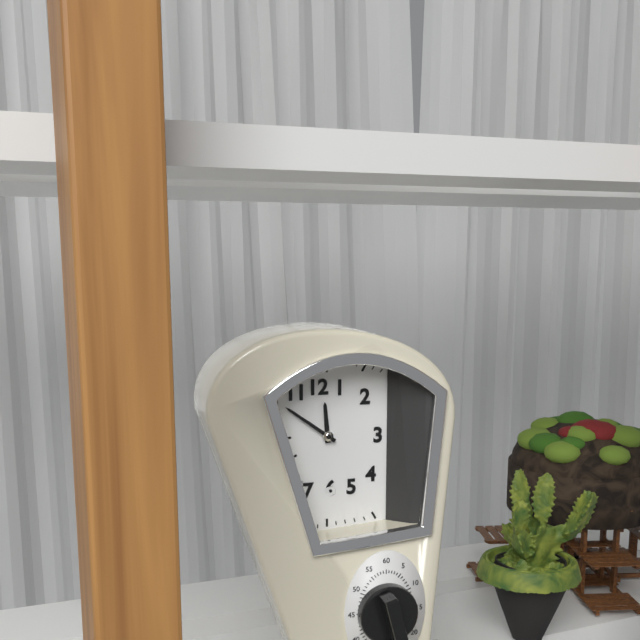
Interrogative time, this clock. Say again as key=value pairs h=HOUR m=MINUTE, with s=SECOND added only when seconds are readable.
h=11 m=51
